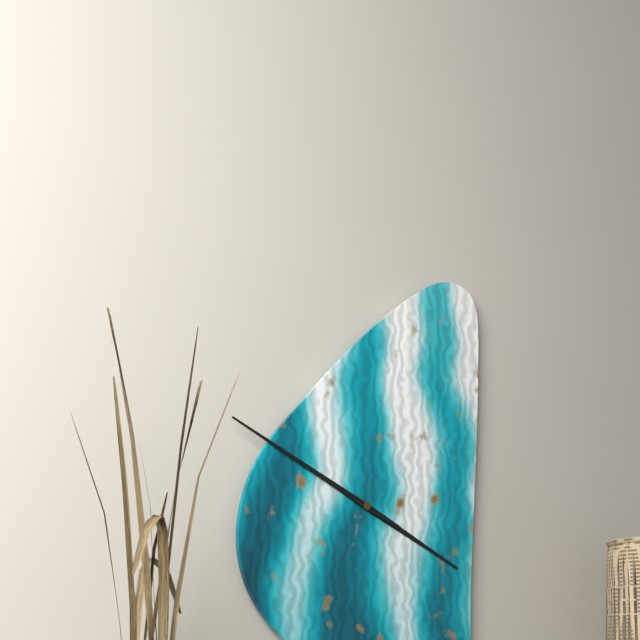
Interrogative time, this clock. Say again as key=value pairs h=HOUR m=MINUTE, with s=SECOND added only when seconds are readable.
h=3 m=49
